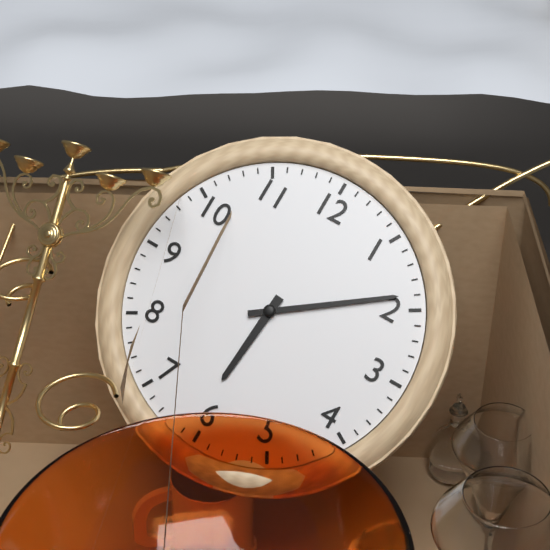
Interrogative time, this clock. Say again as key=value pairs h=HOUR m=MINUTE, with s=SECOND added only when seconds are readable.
h=6 m=9
